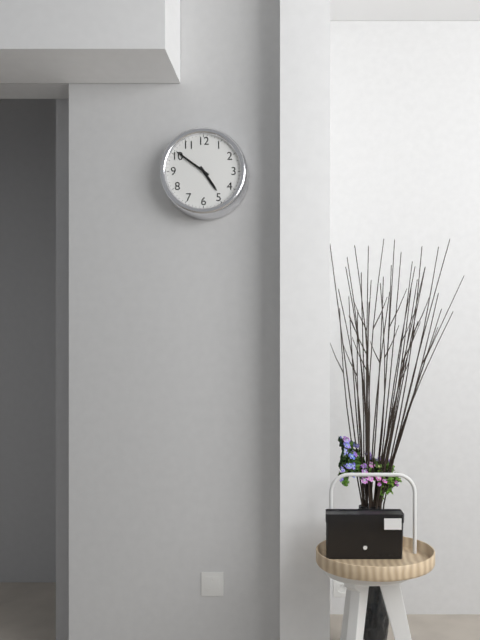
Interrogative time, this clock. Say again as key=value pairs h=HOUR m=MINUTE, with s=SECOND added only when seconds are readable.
h=4 m=51
